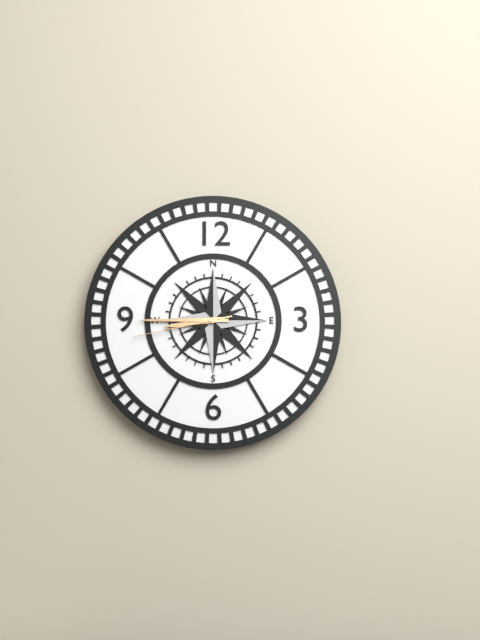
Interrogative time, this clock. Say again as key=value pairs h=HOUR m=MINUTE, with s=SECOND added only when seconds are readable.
h=8 m=45 s=43
